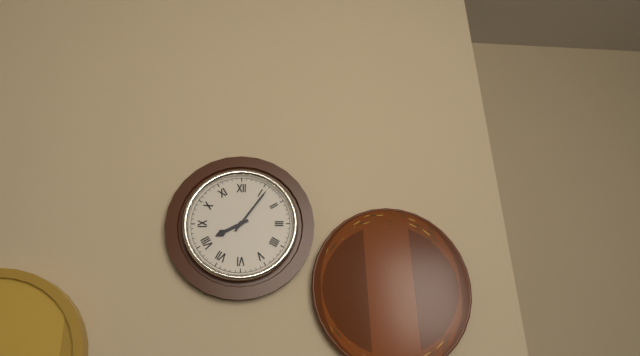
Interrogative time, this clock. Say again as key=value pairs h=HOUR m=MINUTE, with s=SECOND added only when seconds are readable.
h=8 m=6
